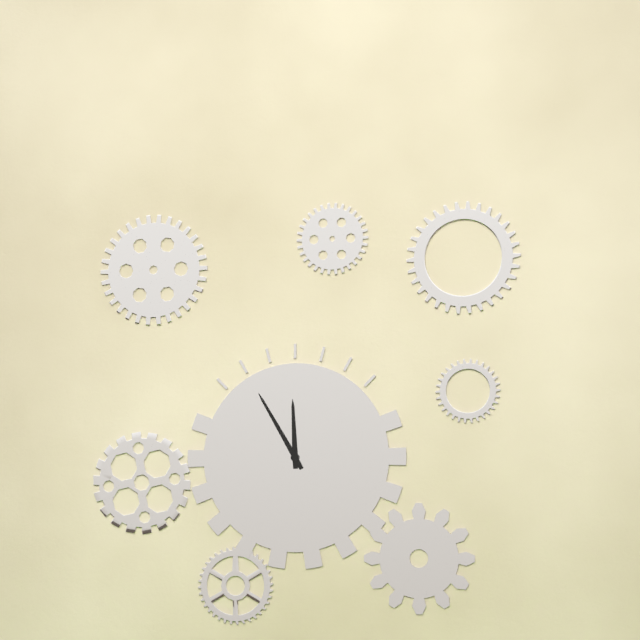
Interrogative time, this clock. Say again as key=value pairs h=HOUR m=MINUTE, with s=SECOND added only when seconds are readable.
h=11 m=55
